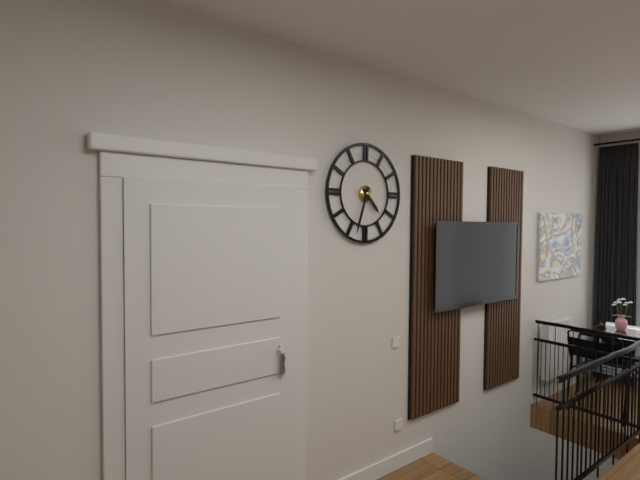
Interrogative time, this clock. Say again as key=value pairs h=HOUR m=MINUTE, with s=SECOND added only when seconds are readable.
h=4 m=33
